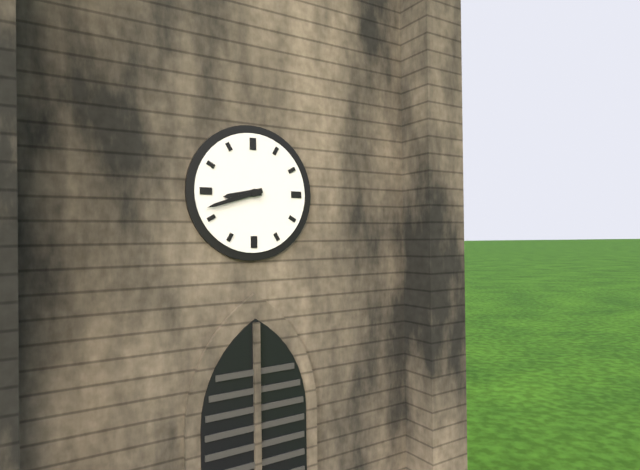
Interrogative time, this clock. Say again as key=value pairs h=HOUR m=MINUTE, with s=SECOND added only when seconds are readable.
h=8 m=42
